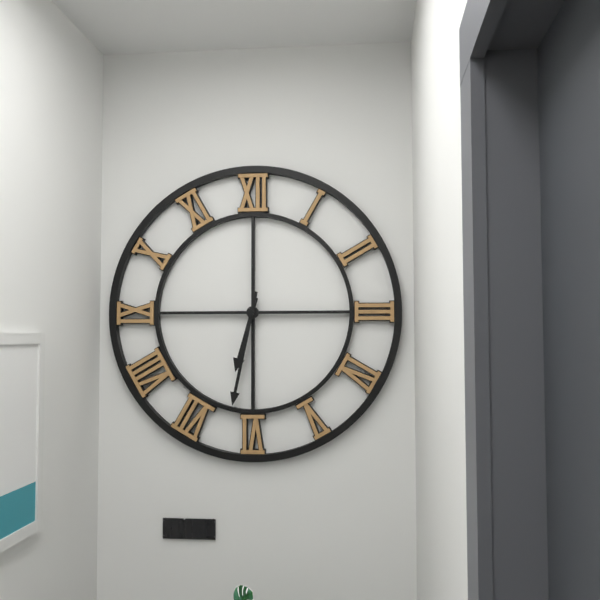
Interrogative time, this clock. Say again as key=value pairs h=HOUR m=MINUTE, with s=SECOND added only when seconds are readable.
h=6 m=32
